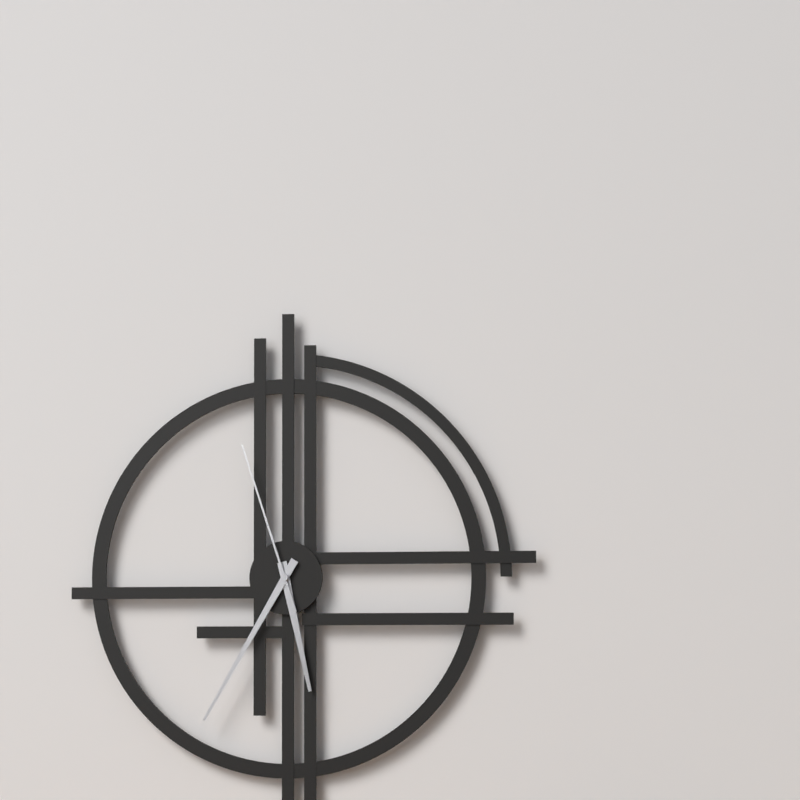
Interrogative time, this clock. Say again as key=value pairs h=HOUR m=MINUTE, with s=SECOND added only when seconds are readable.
h=5 m=35 s=57
